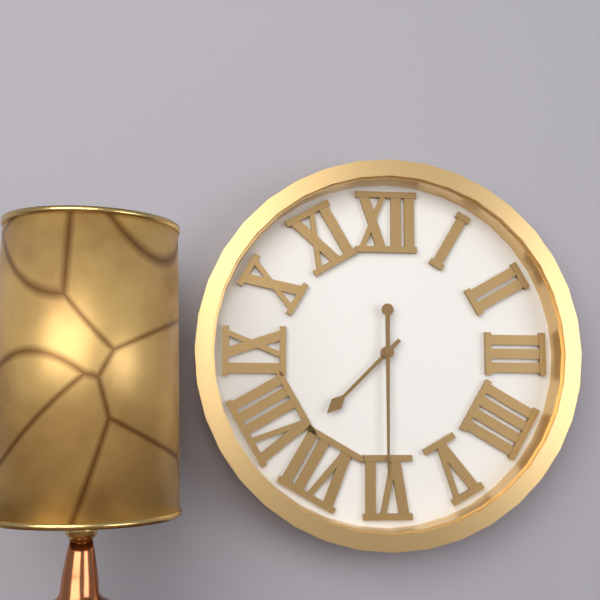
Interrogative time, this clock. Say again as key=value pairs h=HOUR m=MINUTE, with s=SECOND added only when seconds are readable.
h=7 m=30
